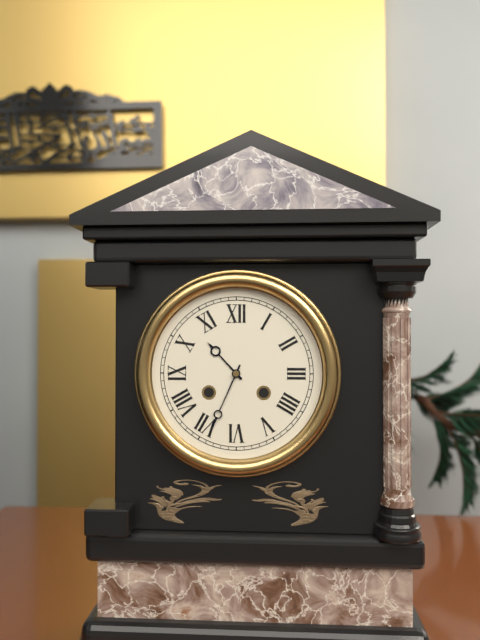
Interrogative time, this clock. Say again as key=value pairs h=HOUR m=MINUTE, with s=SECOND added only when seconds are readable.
h=10 m=34
